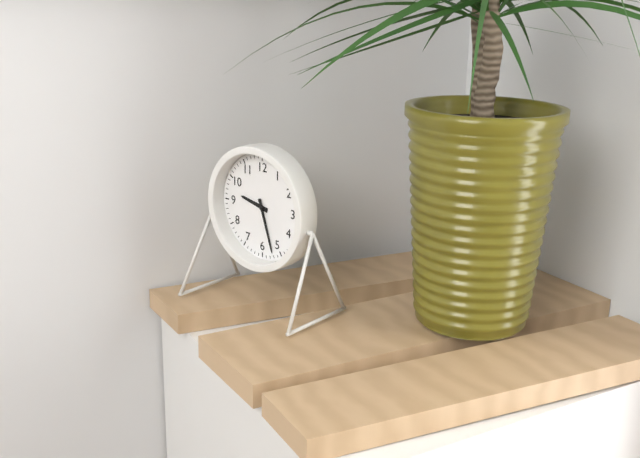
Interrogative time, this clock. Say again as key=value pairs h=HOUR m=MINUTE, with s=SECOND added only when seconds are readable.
h=9 m=27
